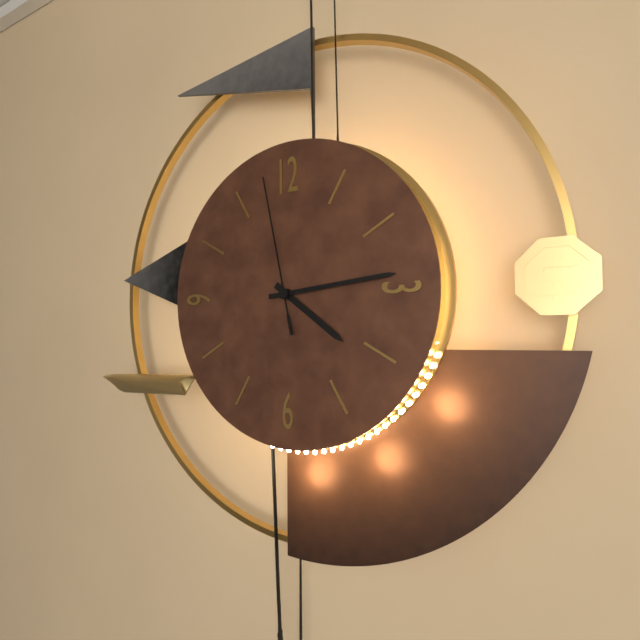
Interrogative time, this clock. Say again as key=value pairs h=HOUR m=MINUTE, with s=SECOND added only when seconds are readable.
h=4 m=14 s=58
